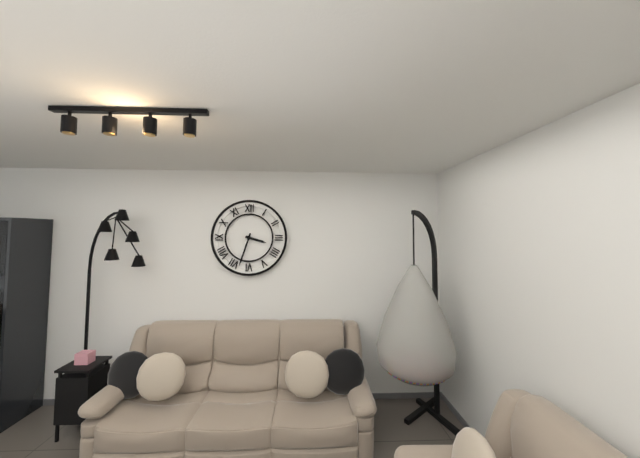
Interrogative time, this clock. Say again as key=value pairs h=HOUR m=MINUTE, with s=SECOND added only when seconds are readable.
h=3 m=33
